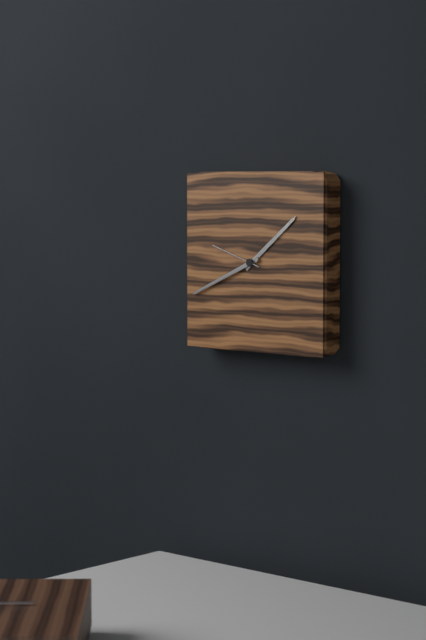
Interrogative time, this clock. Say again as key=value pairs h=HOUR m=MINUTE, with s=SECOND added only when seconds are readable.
h=1 m=41 s=48
